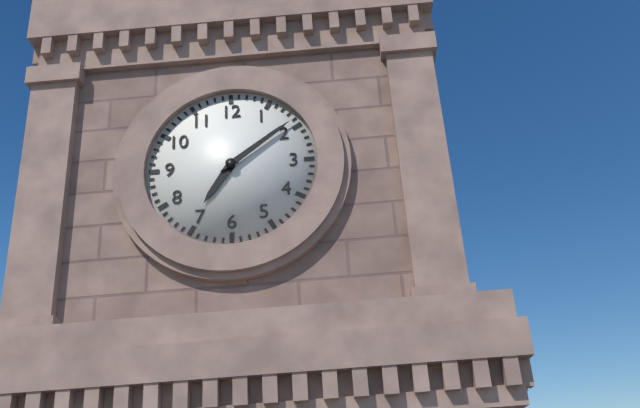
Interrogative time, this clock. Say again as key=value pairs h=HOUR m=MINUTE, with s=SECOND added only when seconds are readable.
h=7 m=9
